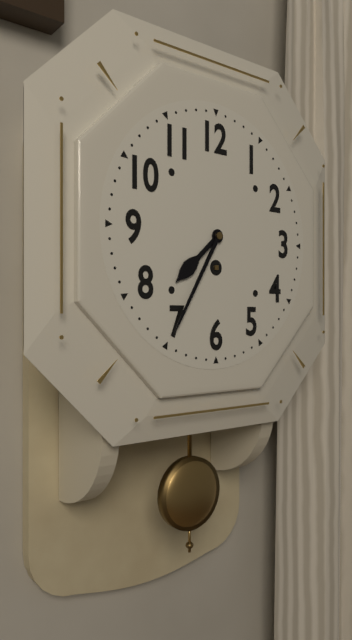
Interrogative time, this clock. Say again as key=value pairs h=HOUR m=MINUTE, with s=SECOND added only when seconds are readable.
h=7 m=35
